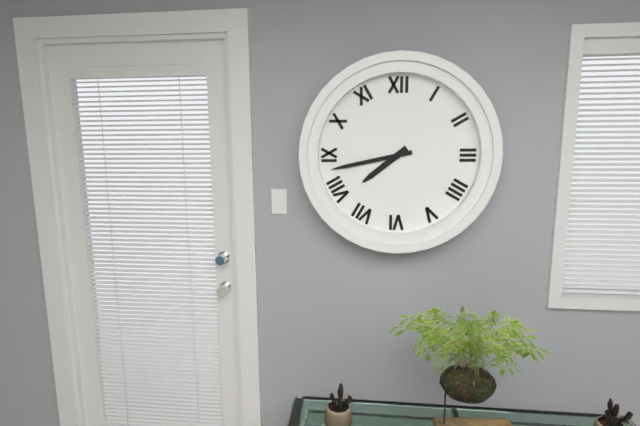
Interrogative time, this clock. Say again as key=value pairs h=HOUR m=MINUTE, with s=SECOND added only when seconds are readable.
h=7 m=43
